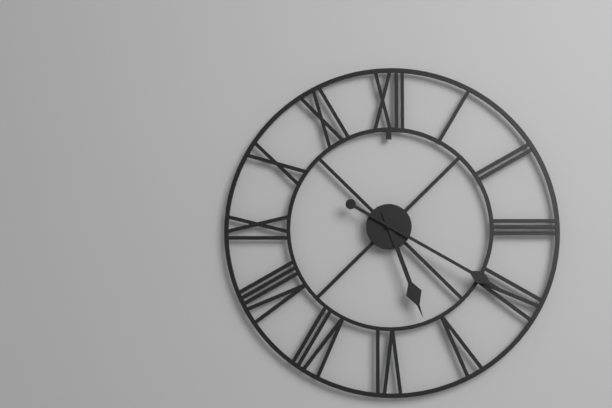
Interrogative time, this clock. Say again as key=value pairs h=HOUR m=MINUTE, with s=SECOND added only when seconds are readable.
h=5 m=20
